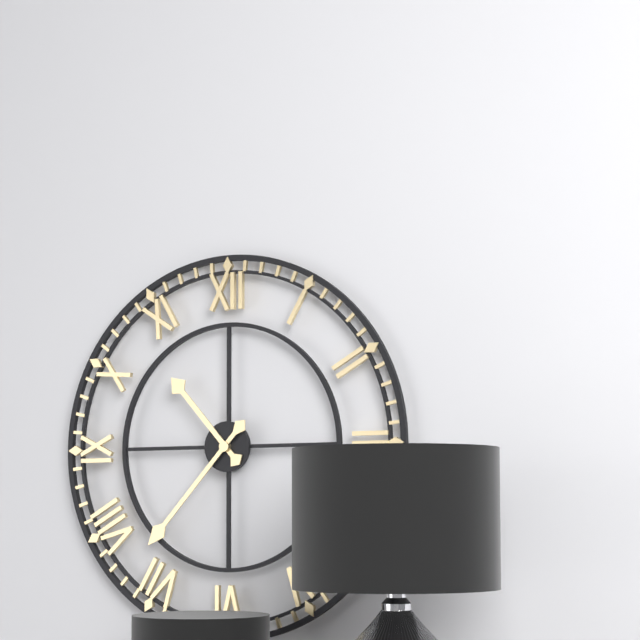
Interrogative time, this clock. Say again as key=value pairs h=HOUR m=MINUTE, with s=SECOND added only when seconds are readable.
h=10 m=37
